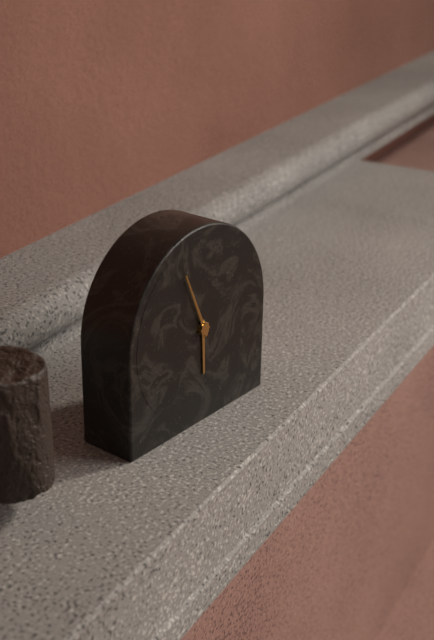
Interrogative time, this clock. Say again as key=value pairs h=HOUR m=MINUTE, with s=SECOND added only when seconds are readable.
h=5 m=56
